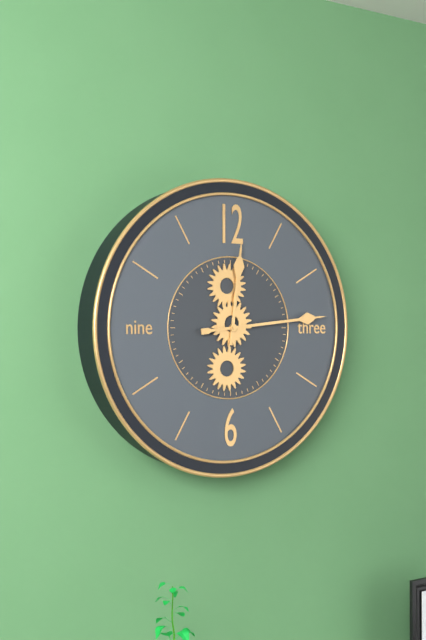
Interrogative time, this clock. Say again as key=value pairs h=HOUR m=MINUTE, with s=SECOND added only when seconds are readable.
h=12 m=14
